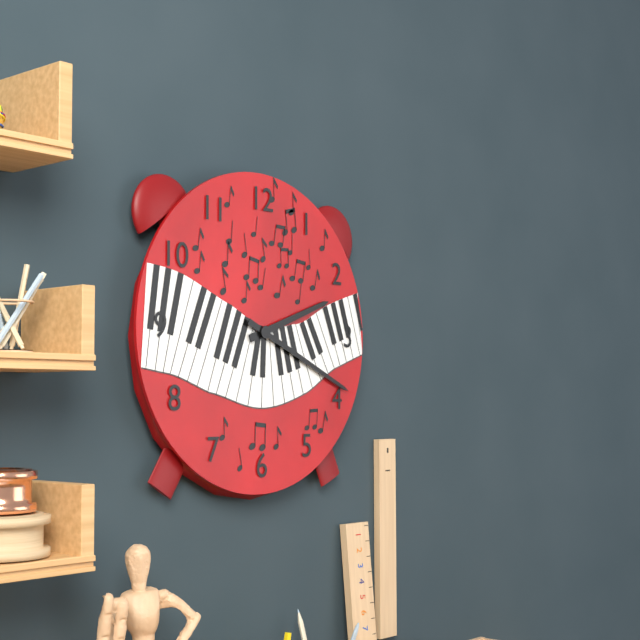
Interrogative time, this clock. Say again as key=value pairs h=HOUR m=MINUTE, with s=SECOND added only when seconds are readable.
h=2 m=19
